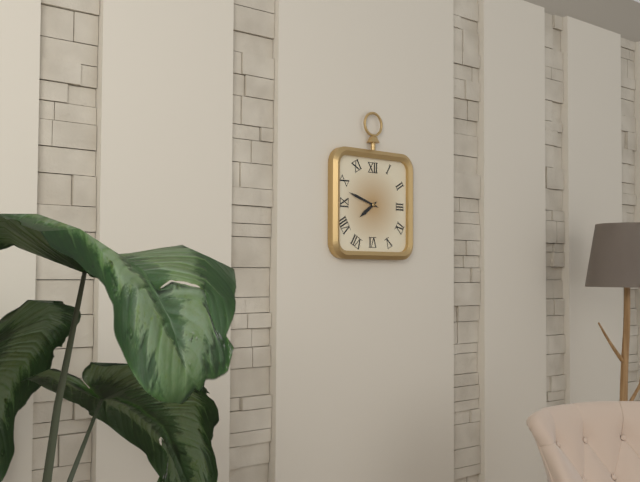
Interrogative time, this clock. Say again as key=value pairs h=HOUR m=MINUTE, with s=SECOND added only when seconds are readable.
h=7 m=48
